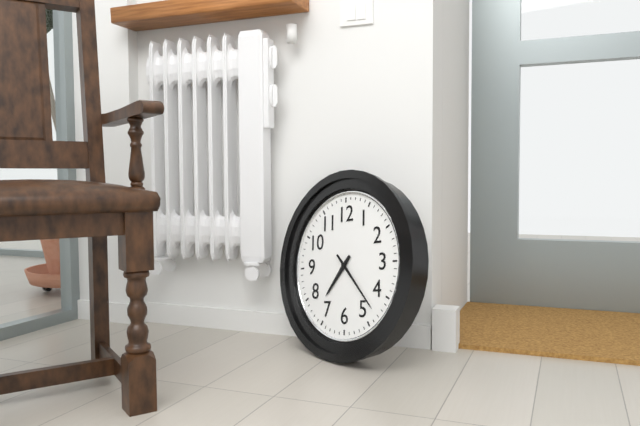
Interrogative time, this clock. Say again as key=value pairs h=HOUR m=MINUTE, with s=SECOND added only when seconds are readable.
h=7 m=23
